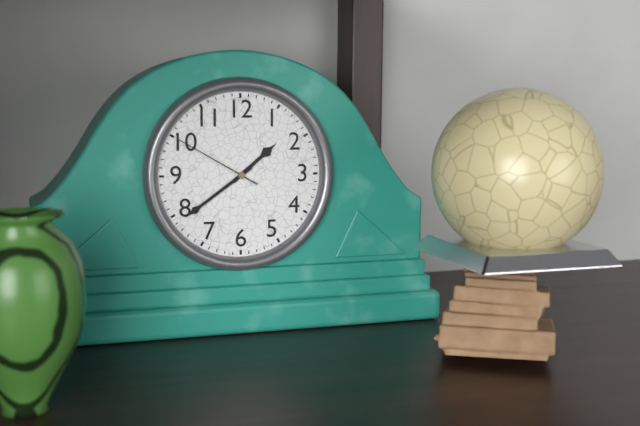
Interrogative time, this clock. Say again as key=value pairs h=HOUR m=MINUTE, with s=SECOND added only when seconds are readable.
h=1 m=39 s=50
